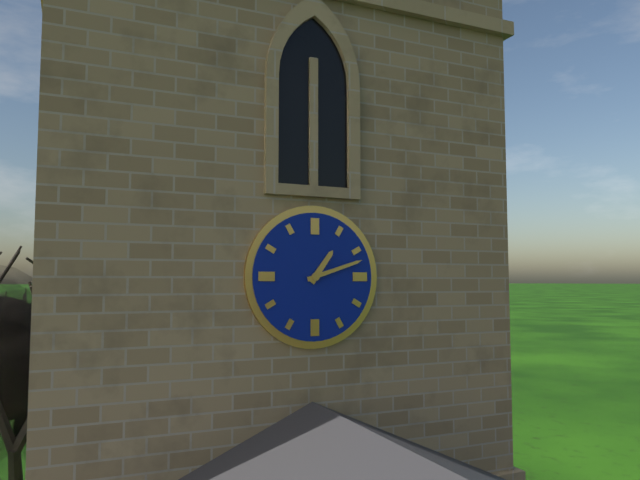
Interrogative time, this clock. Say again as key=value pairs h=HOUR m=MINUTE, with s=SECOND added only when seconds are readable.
h=1 m=12
